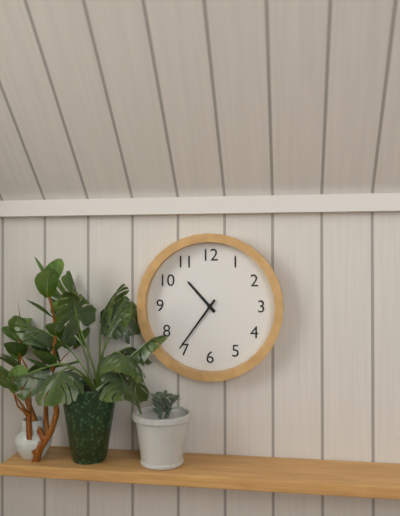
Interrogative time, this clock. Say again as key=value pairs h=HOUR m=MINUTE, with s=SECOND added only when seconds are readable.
h=10 m=36
